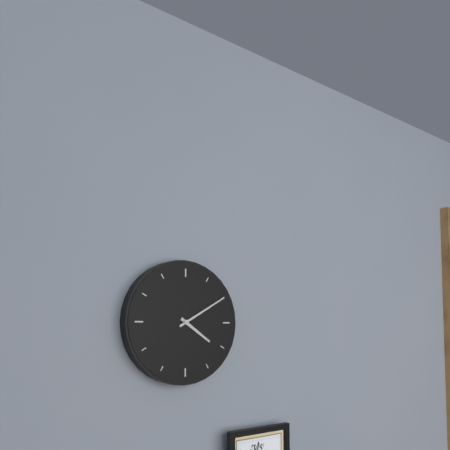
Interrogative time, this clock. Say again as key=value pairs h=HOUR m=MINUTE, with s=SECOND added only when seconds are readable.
h=4 m=10
